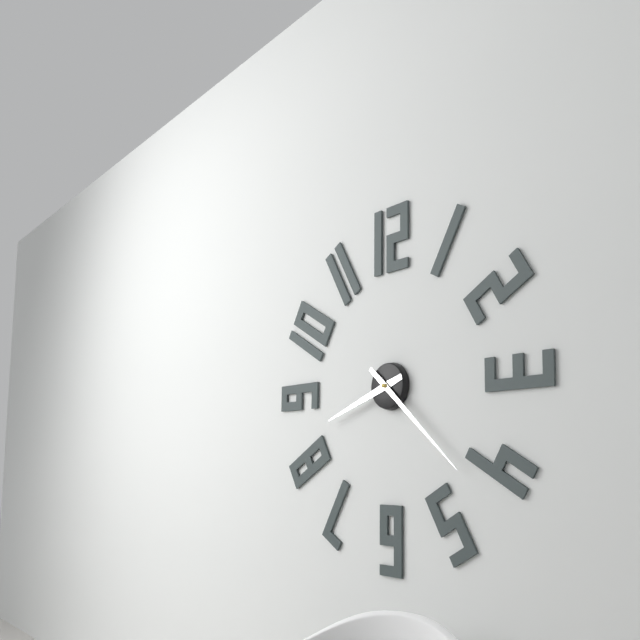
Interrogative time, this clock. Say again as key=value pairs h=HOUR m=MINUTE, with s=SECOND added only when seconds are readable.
h=8 m=22
